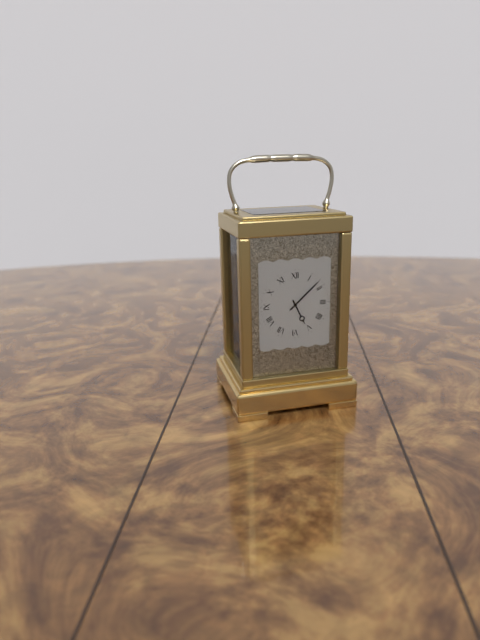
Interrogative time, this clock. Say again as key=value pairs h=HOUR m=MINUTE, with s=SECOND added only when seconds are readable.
h=5 m=8
